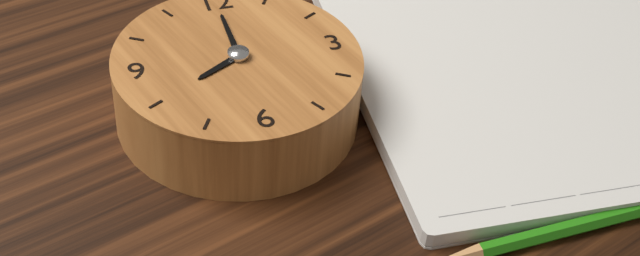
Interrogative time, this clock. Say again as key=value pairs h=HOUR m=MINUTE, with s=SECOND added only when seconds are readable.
h=8 m=0
